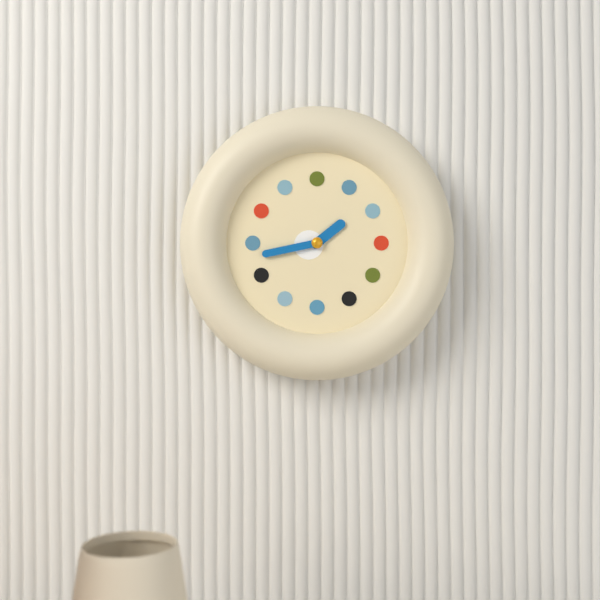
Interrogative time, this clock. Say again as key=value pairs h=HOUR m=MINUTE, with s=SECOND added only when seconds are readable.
h=1 m=43
